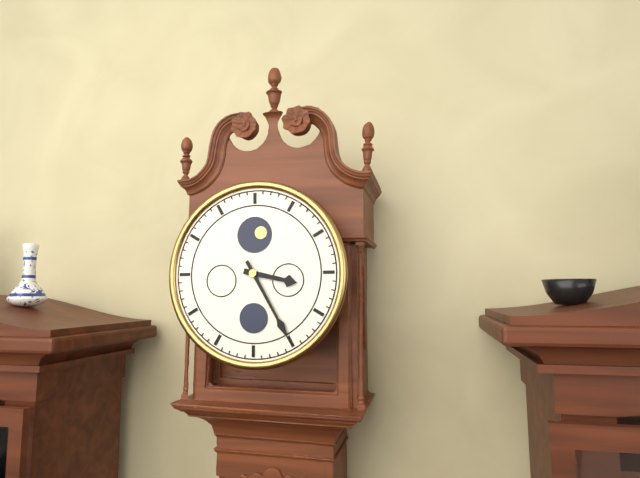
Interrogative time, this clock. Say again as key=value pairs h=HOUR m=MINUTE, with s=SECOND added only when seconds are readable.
h=3 m=25
